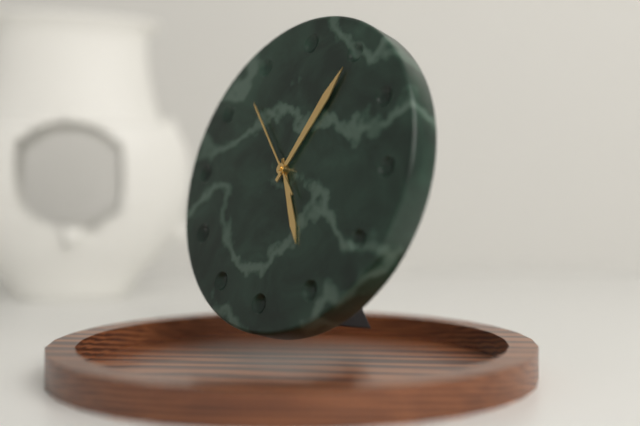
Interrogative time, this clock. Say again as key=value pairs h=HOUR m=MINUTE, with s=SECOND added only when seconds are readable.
h=5 m=5 s=53
